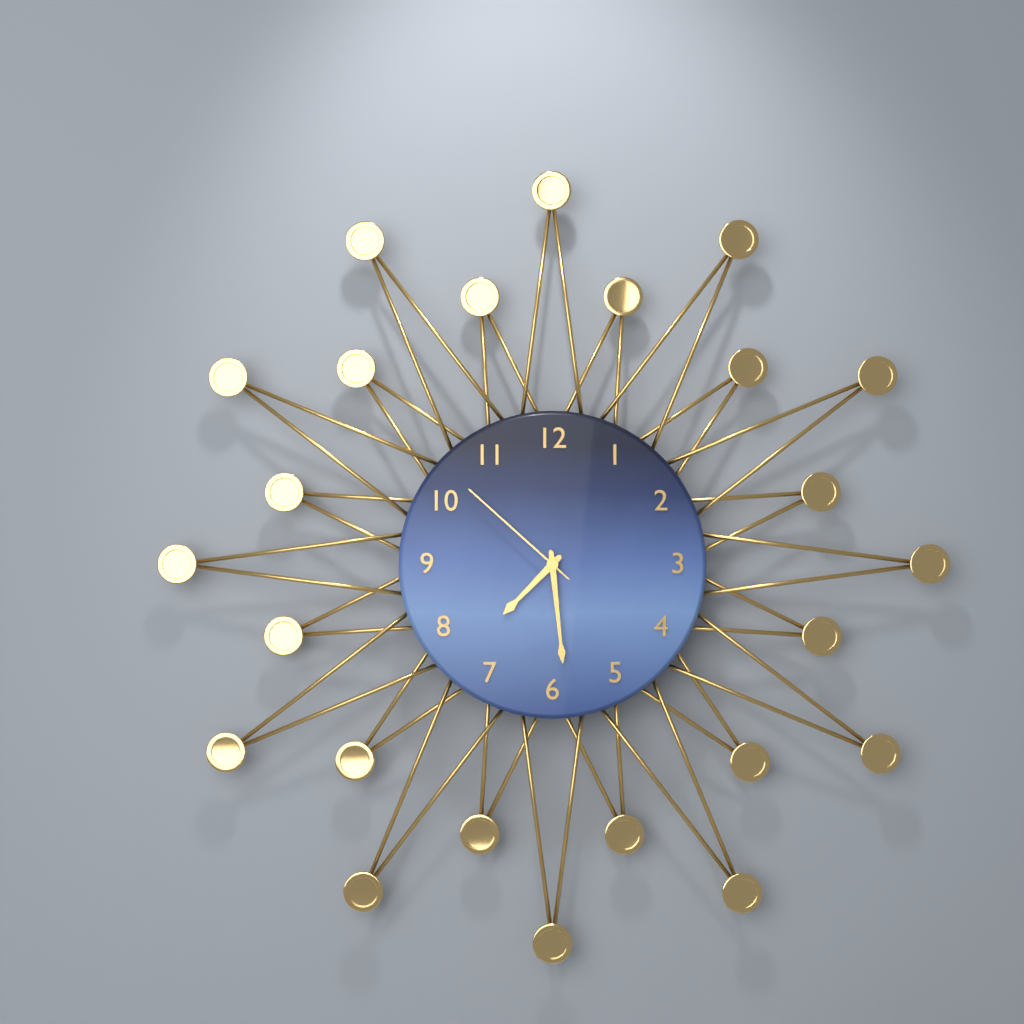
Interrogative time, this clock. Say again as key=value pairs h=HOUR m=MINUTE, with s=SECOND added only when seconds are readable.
h=7 m=29 s=52
